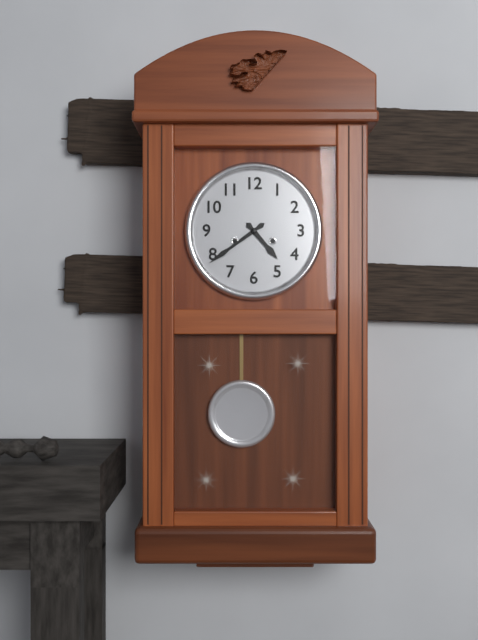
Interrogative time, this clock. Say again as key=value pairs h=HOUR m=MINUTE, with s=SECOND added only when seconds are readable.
h=4 m=39
